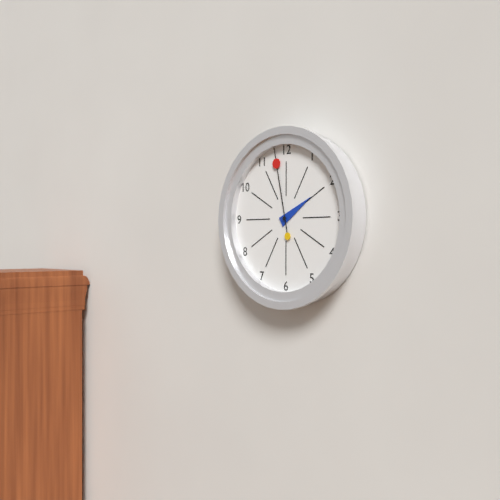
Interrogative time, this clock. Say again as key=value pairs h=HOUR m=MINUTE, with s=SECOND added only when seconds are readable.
h=1 m=58
